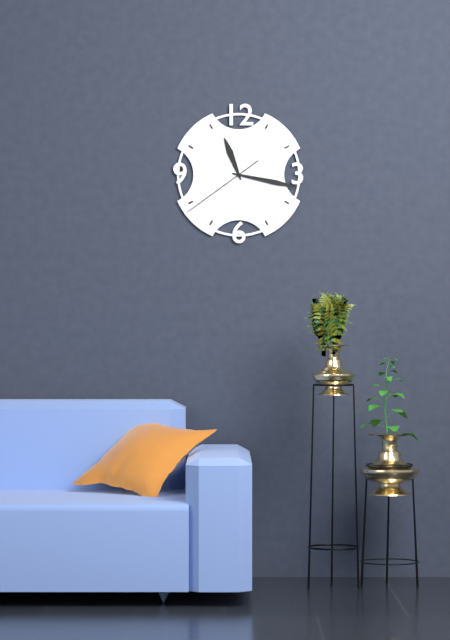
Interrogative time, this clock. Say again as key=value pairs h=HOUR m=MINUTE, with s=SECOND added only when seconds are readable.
h=11 m=17 s=39
